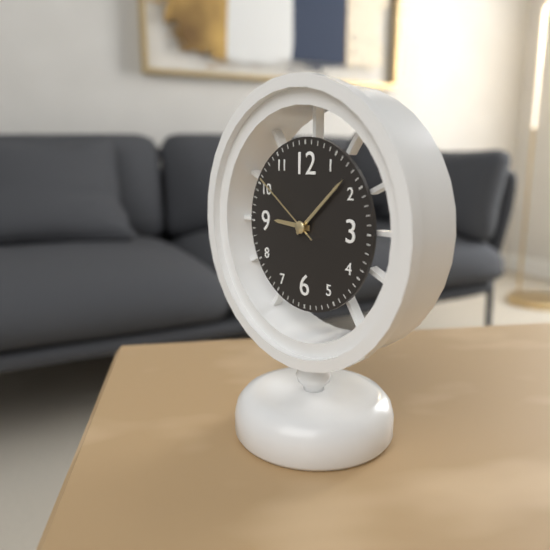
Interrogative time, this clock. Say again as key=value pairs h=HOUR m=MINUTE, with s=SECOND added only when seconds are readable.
h=9 m=8 s=51
